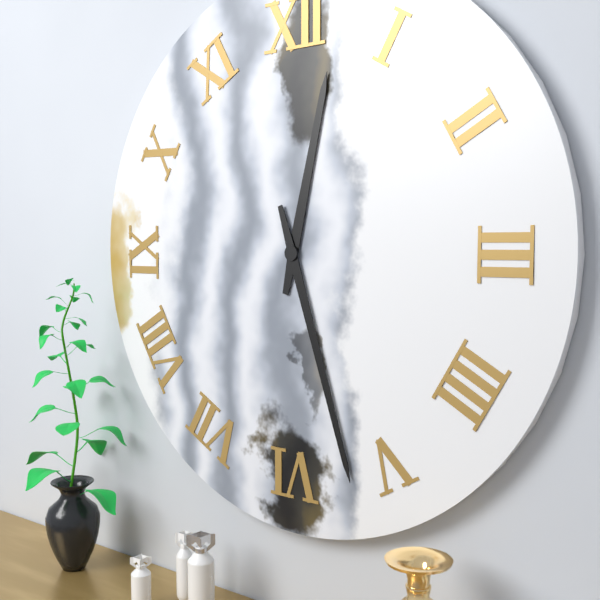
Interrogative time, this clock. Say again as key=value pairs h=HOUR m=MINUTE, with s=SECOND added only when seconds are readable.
h=12 m=27
